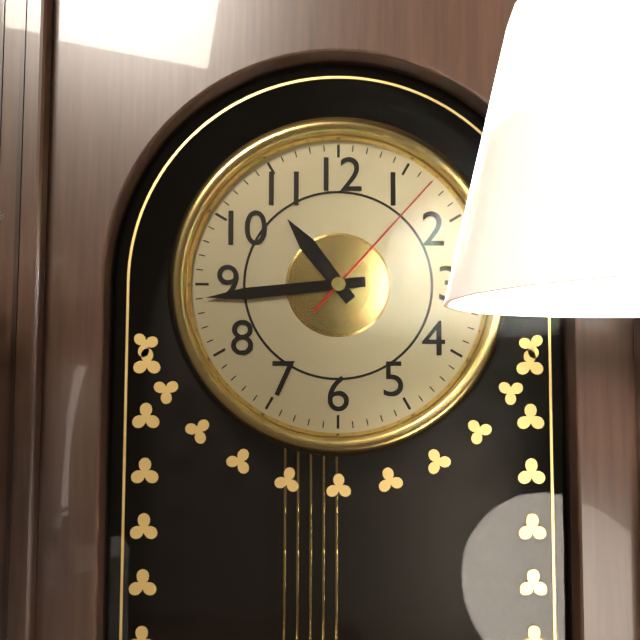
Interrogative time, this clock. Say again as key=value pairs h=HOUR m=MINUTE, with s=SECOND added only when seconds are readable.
h=10 m=44 s=7
